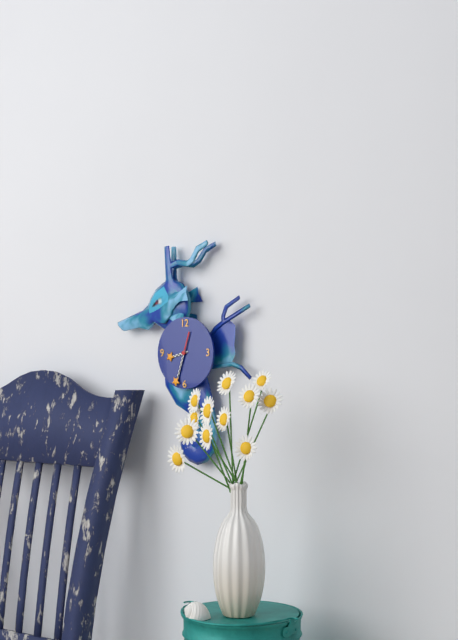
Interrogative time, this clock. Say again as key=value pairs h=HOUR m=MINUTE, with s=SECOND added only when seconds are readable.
h=8 m=33
